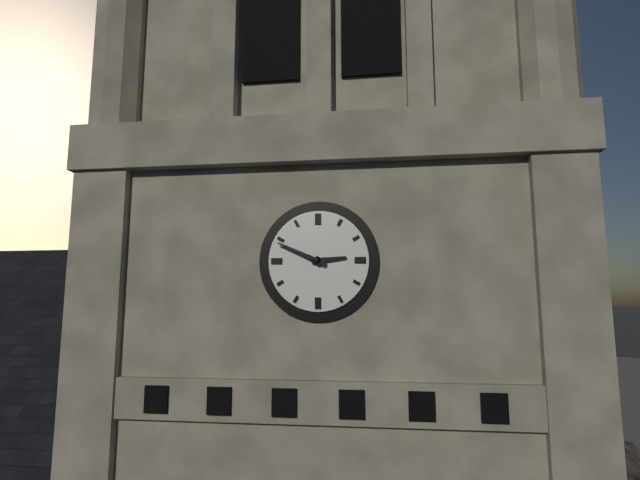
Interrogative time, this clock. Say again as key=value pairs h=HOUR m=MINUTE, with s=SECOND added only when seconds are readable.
h=2 m=49
